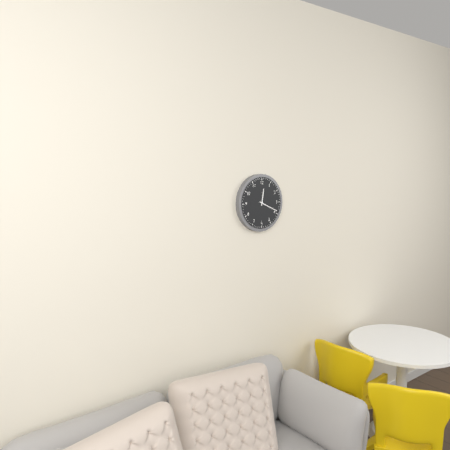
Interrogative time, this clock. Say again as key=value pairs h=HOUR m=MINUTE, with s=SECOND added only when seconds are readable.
h=12 m=19
